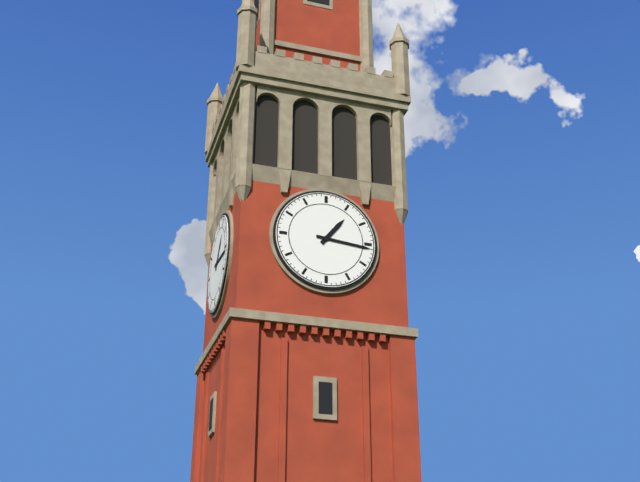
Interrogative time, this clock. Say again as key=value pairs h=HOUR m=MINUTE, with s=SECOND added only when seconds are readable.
h=1 m=16
